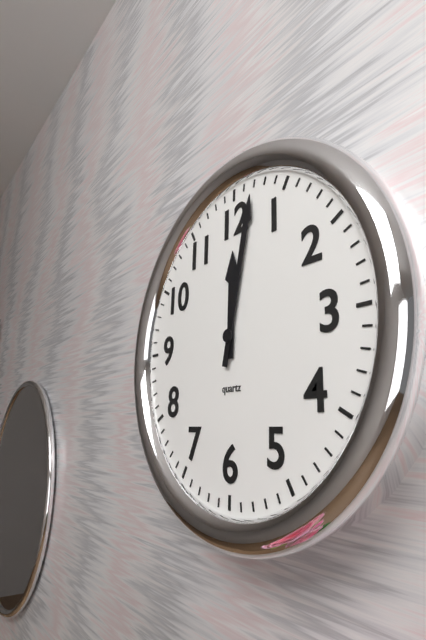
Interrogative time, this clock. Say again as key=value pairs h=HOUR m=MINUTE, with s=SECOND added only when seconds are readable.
h=12 m=2
